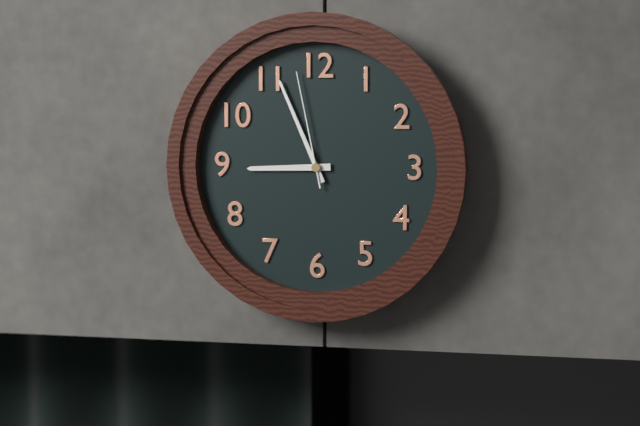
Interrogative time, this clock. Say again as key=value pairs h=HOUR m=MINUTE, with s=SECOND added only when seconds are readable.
h=8 m=56 s=58
